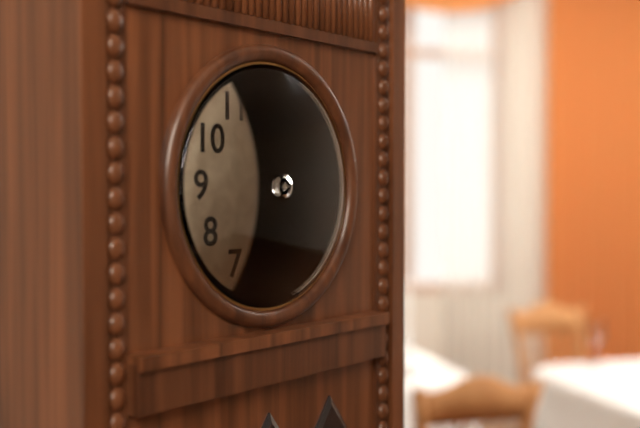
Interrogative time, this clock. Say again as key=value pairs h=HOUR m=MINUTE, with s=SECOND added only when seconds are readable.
h=1 m=31
